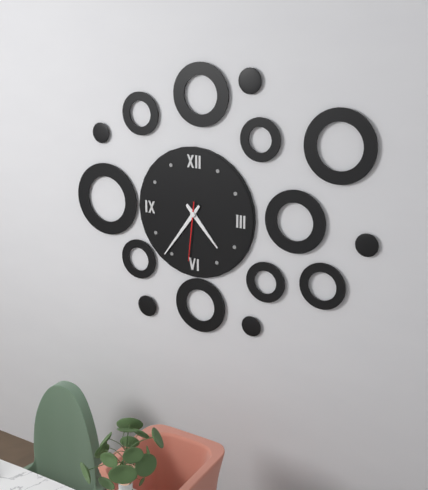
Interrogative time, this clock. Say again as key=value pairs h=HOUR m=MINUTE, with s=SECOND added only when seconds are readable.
h=4 m=36 s=31
